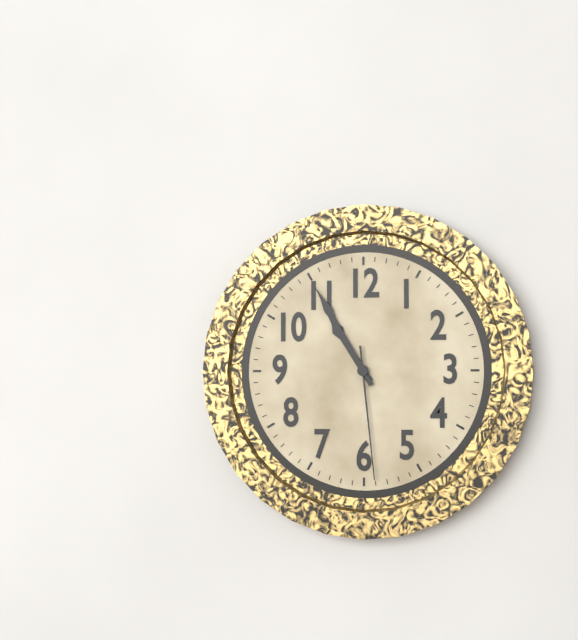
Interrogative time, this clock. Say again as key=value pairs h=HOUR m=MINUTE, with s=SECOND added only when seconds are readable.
h=10 m=55 s=29
